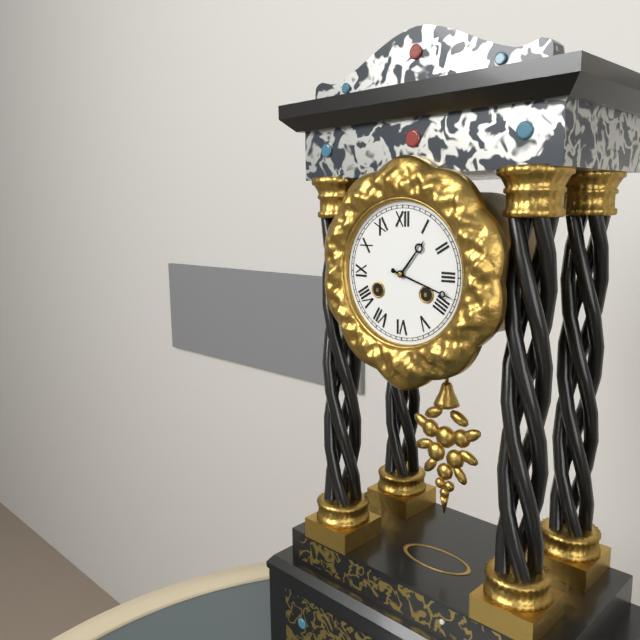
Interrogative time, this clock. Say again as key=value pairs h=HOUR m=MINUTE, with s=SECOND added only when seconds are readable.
h=1 m=18
